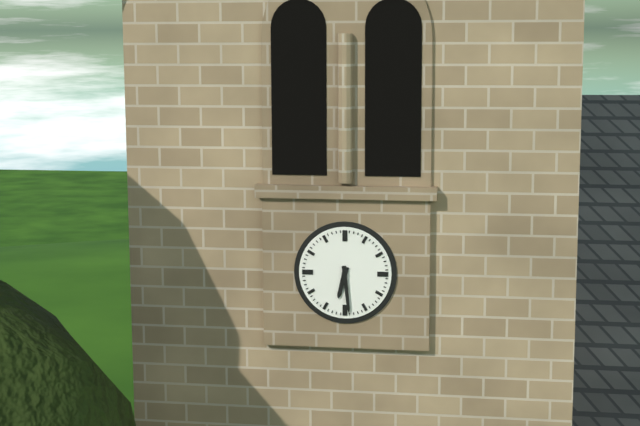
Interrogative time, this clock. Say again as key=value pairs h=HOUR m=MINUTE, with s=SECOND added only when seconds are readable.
h=6 m=29
